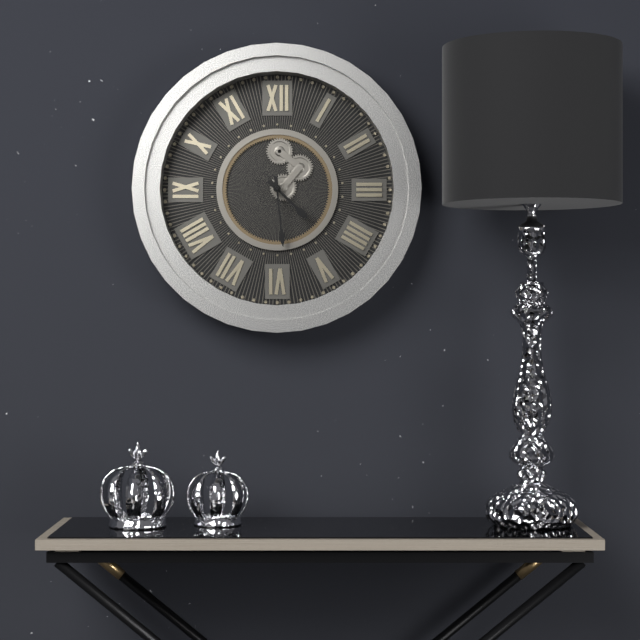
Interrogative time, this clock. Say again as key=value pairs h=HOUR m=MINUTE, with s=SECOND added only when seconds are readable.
h=4 m=29
